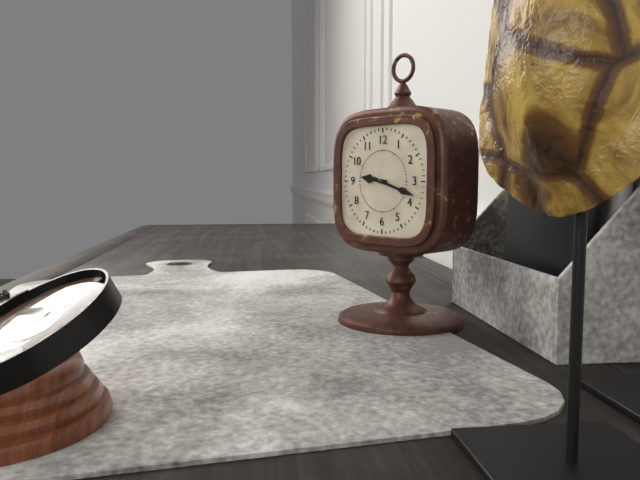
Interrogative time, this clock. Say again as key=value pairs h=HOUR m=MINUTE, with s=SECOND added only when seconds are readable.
h=9 m=18
